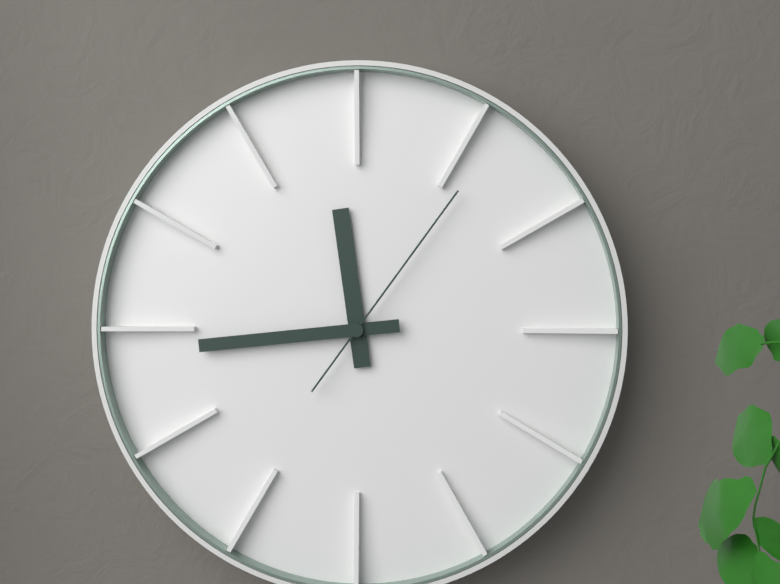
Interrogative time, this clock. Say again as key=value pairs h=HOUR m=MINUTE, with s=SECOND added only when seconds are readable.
h=11 m=44 s=6
